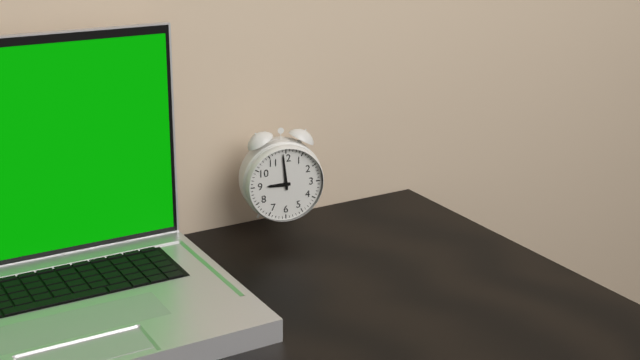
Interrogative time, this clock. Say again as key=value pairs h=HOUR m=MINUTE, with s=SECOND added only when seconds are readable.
h=8 m=59
